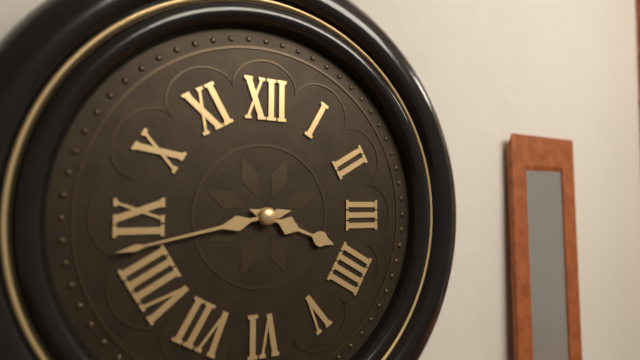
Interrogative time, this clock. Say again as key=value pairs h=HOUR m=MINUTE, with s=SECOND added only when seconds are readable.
h=3 m=43
